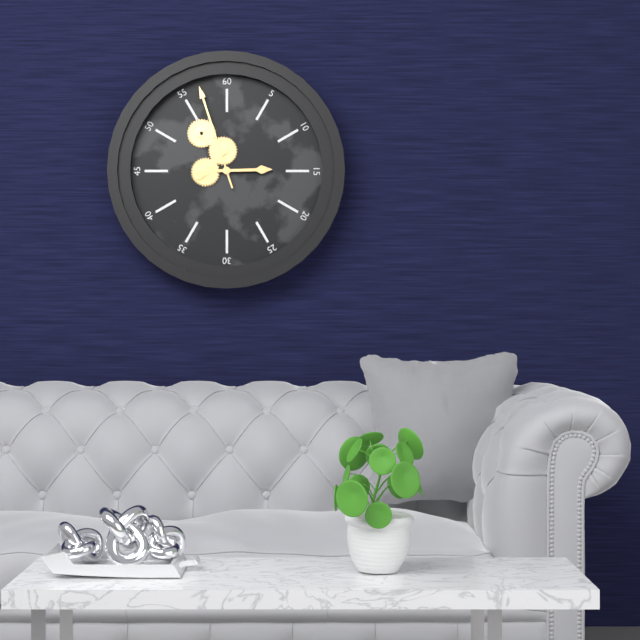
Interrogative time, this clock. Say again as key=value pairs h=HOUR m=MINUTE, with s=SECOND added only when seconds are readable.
h=2 m=57
